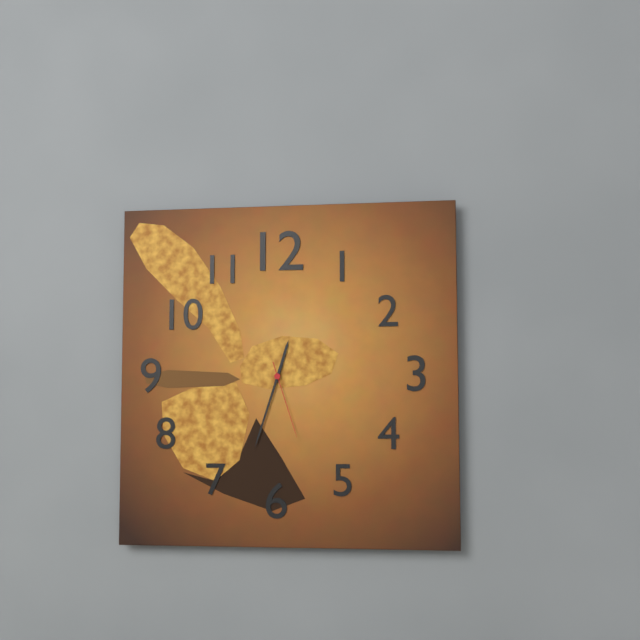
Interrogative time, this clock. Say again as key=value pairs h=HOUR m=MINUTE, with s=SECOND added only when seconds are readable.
h=12 m=33 s=27
